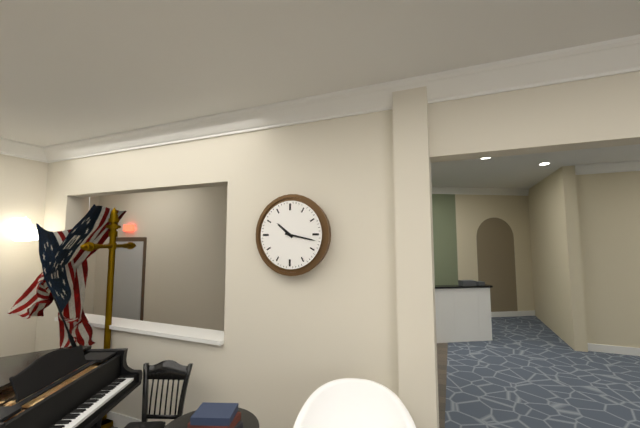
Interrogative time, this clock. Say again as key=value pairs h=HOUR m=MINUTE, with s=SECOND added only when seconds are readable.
h=10 m=17
